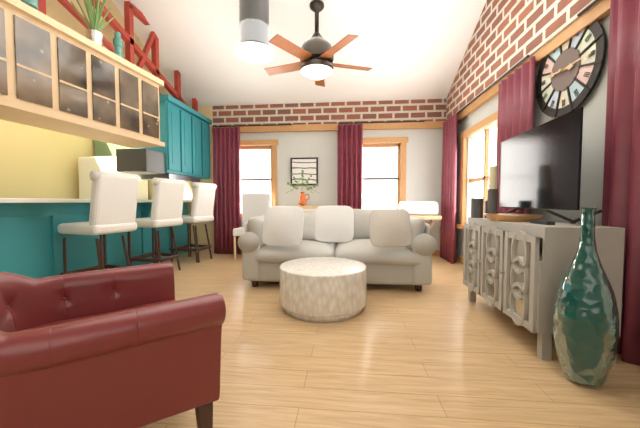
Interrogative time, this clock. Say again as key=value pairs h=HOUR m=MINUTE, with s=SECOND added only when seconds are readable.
h=9 m=15
